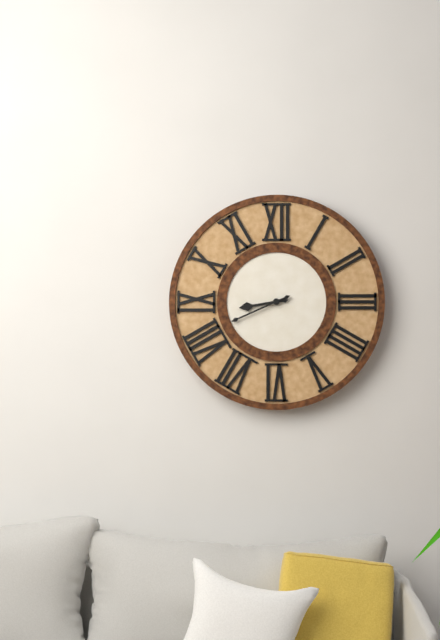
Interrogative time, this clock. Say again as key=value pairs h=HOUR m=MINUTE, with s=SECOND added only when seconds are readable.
h=8 m=41
